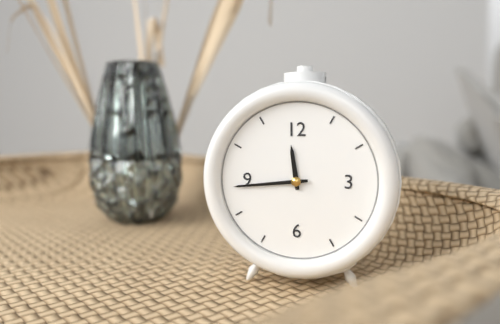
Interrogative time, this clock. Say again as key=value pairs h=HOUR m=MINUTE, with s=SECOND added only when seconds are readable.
h=11 m=44
